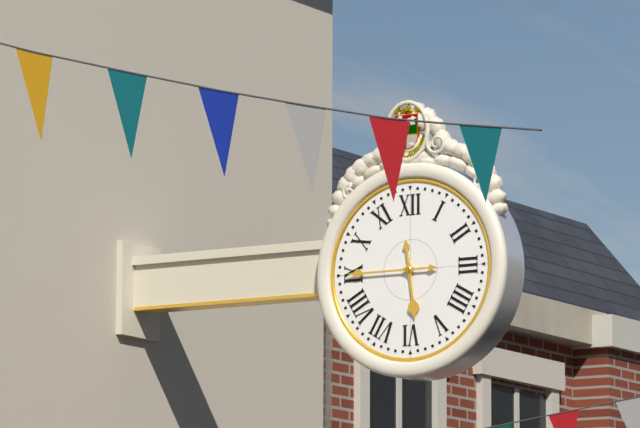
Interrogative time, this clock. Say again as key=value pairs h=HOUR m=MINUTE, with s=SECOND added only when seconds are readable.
h=5 m=45
